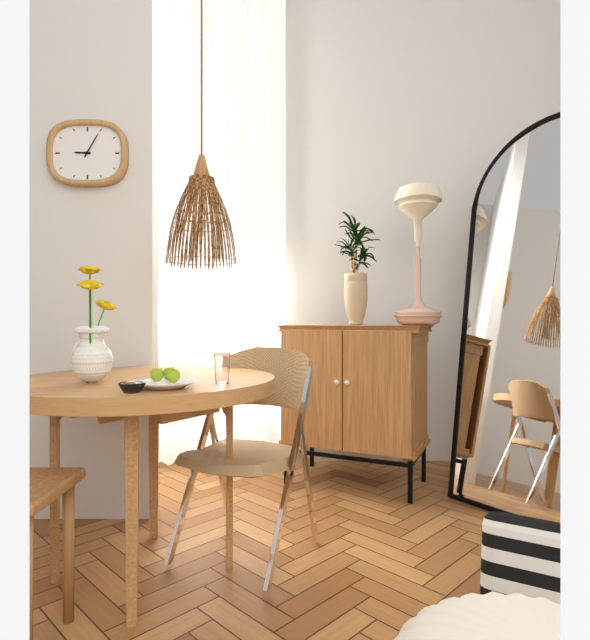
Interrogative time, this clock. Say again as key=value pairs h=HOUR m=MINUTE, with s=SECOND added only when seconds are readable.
h=9 m=5
